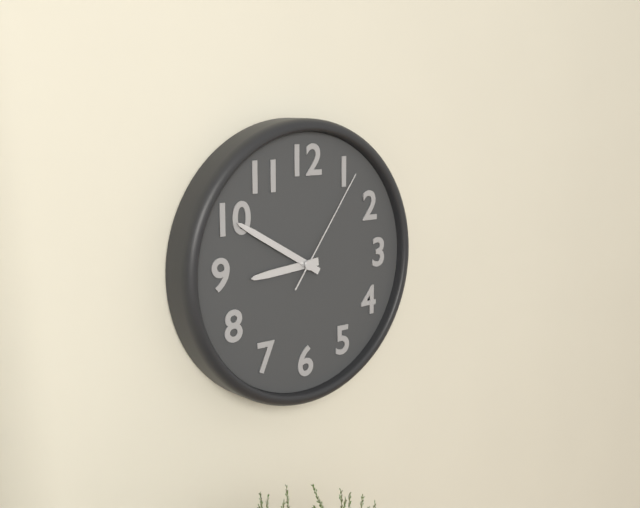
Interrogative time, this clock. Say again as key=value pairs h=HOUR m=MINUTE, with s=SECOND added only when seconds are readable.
h=8 m=50 s=6
